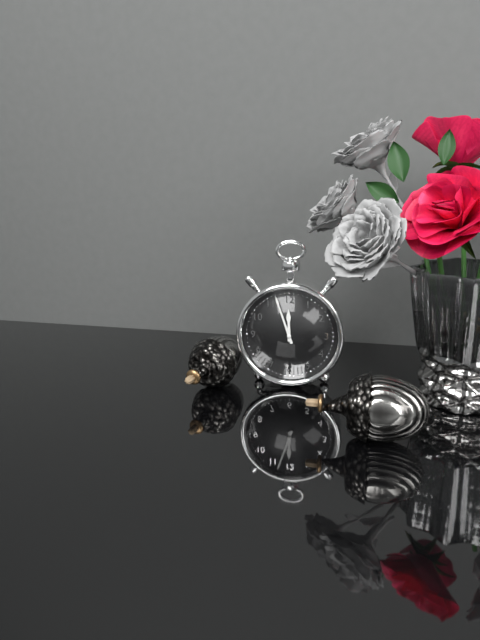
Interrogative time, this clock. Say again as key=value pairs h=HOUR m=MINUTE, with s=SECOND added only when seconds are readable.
h=11 m=57
